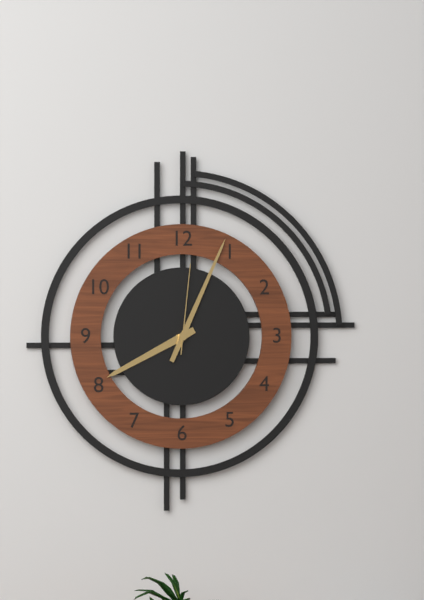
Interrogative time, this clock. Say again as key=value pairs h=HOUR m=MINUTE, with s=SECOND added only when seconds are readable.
h=8 m=4 s=1
